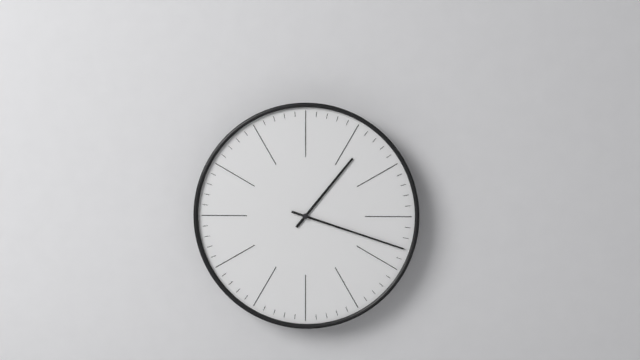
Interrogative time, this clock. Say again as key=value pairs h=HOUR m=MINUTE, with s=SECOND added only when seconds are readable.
h=1 m=18
